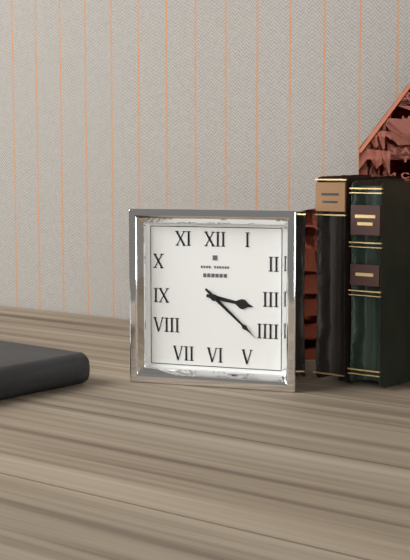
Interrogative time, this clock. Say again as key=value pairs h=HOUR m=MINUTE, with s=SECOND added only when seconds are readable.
h=3 m=22
